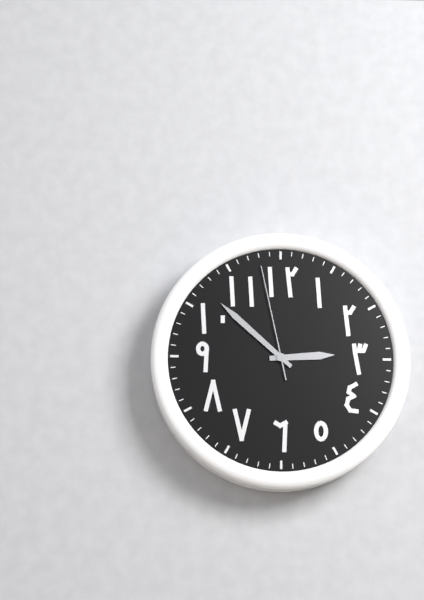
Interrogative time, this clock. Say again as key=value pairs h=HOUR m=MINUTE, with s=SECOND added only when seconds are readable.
h=2 m=52 s=58
